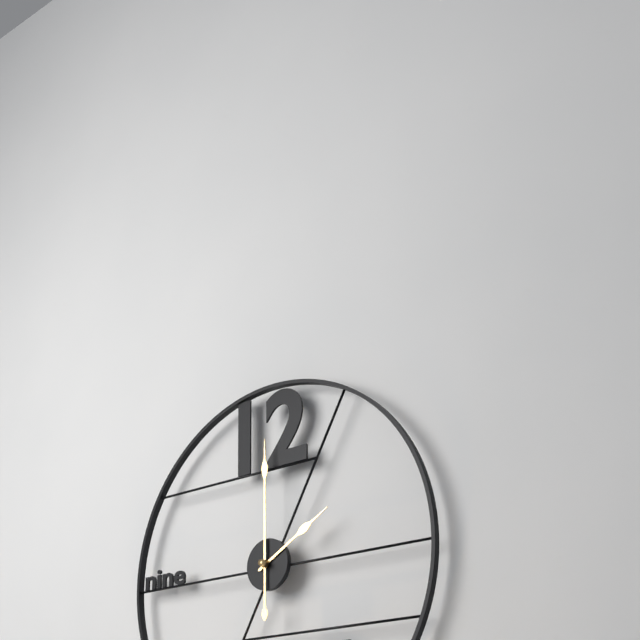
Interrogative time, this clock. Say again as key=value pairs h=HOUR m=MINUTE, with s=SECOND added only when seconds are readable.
h=2 m=0
